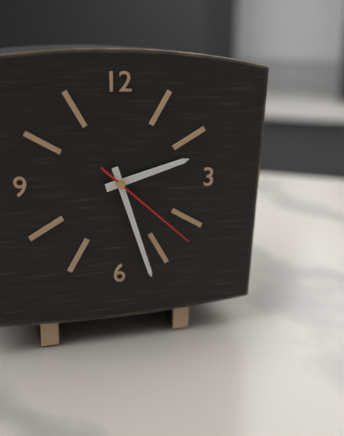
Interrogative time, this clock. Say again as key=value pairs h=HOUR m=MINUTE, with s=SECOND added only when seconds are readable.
h=2 m=27 s=22
